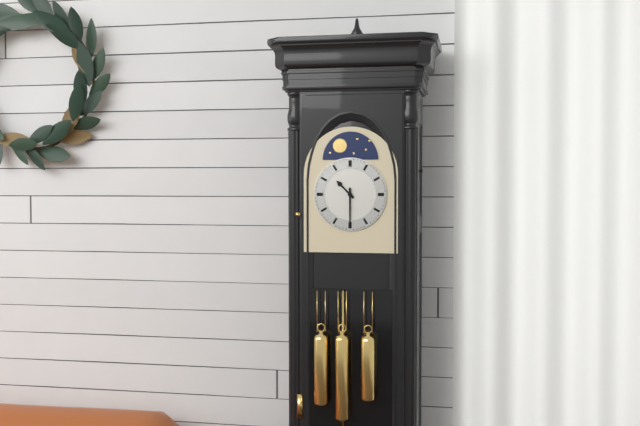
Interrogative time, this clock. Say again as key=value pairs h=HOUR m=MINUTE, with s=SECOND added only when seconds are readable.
h=10 m=30
